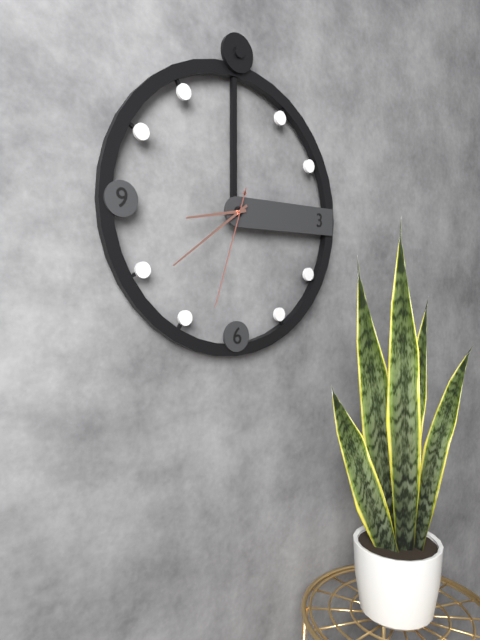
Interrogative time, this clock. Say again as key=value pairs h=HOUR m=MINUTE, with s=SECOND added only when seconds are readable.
h=8 m=39 s=33
